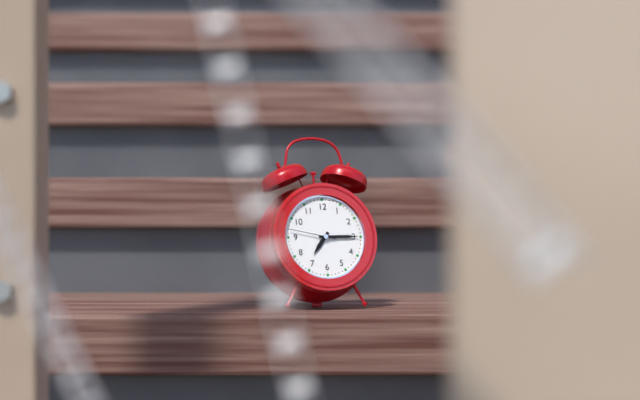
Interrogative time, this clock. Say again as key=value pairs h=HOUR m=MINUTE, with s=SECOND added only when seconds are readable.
h=7 m=15
